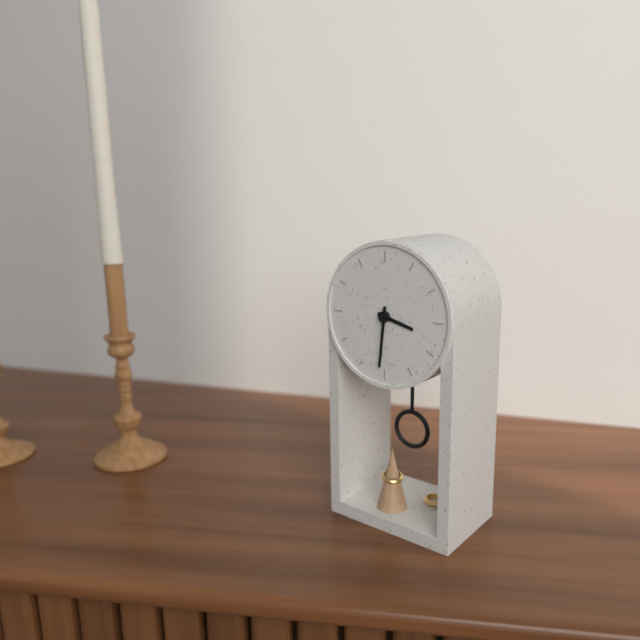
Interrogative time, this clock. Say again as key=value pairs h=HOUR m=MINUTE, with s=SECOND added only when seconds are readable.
h=3 m=31
